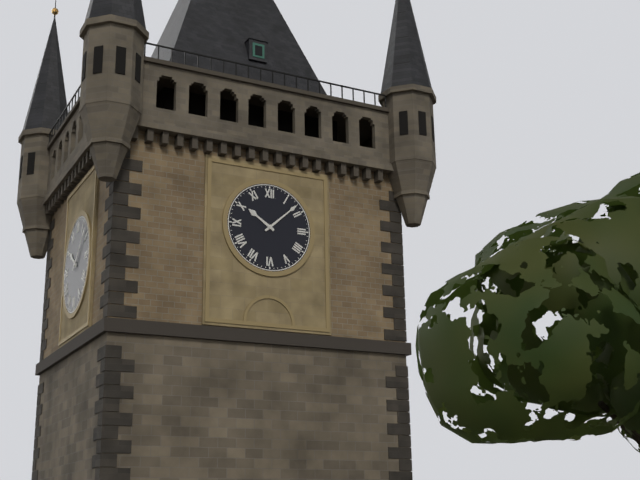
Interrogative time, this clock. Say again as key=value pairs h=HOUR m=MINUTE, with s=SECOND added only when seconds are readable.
h=10 m=8
